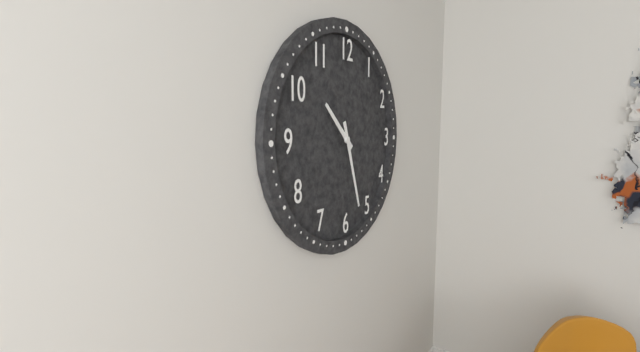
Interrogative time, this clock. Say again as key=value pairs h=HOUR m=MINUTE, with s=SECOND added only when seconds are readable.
h=10 m=27
